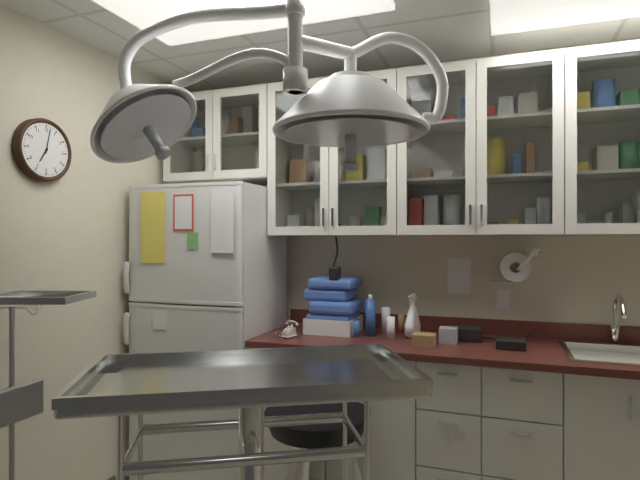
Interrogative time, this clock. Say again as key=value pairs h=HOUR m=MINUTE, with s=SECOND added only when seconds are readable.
h=7 m=2
